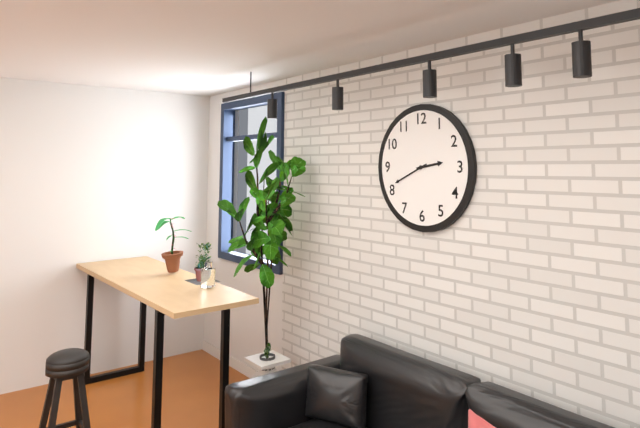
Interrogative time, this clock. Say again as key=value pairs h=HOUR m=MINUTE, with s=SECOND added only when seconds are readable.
h=2 m=41
